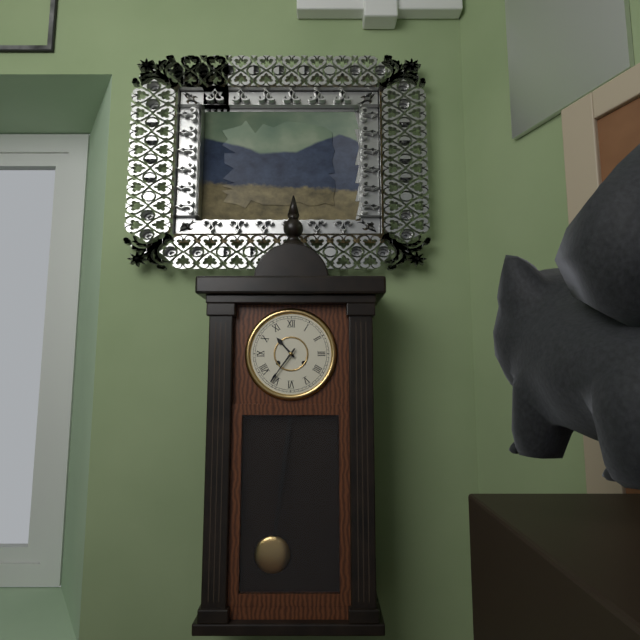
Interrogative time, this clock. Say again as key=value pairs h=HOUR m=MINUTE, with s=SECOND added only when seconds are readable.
h=10 m=36
